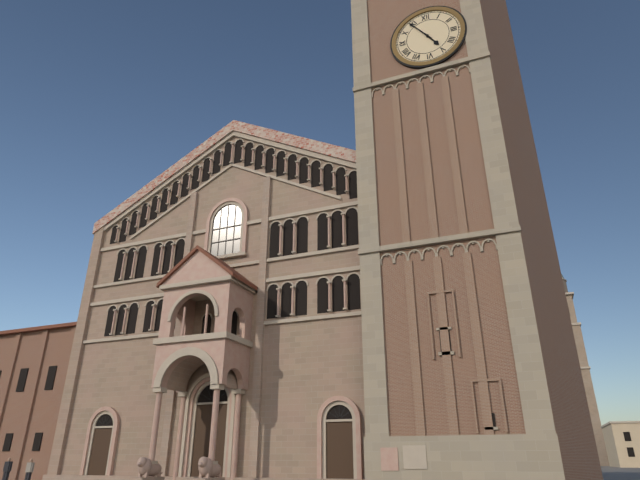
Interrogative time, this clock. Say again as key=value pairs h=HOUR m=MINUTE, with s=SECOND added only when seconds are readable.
h=4 m=54
